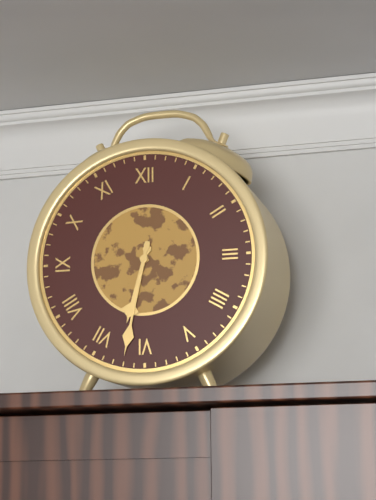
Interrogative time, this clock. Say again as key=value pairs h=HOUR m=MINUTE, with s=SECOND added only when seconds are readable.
h=6 m=32
